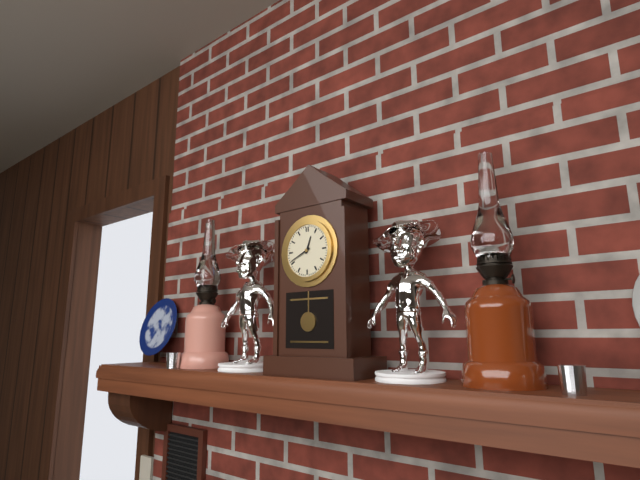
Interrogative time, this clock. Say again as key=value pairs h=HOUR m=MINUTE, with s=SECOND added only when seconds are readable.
h=12 m=41
